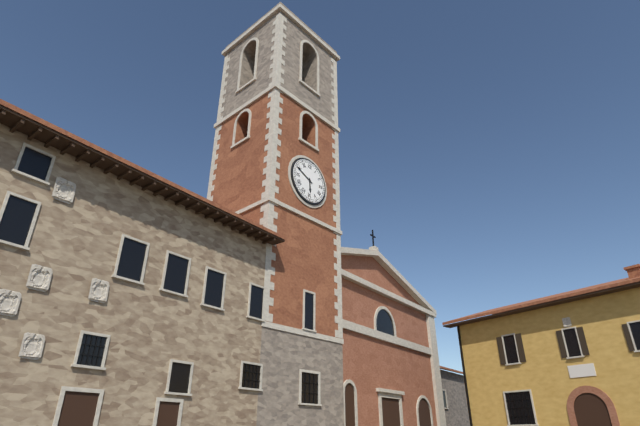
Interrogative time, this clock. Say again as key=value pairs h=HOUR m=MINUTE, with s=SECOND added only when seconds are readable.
h=5 m=49
